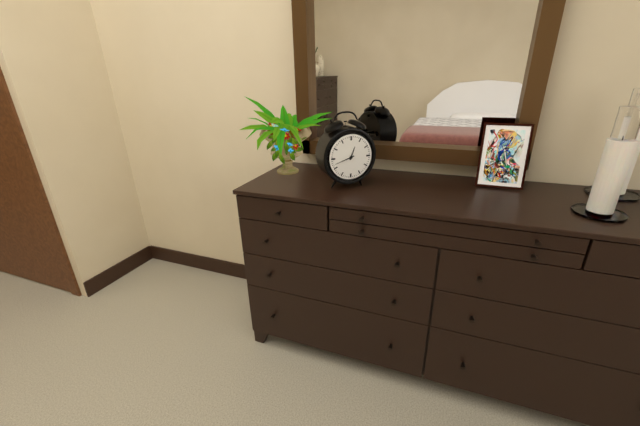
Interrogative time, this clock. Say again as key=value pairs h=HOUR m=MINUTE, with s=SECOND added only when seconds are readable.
h=12 m=42
